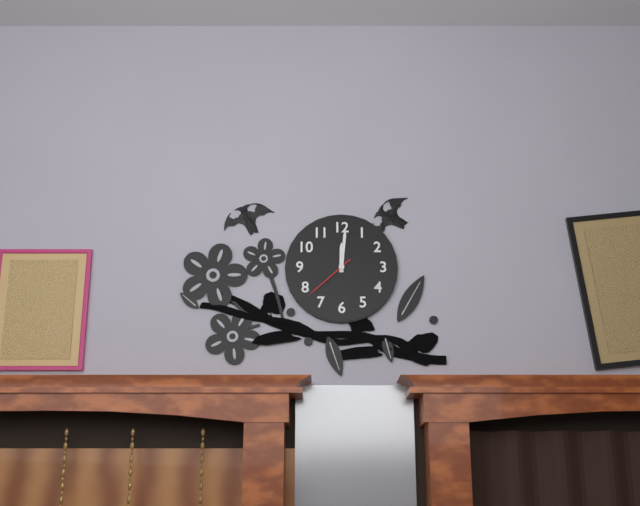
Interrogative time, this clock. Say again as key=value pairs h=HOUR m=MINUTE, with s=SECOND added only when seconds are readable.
h=12 m=1 s=38
